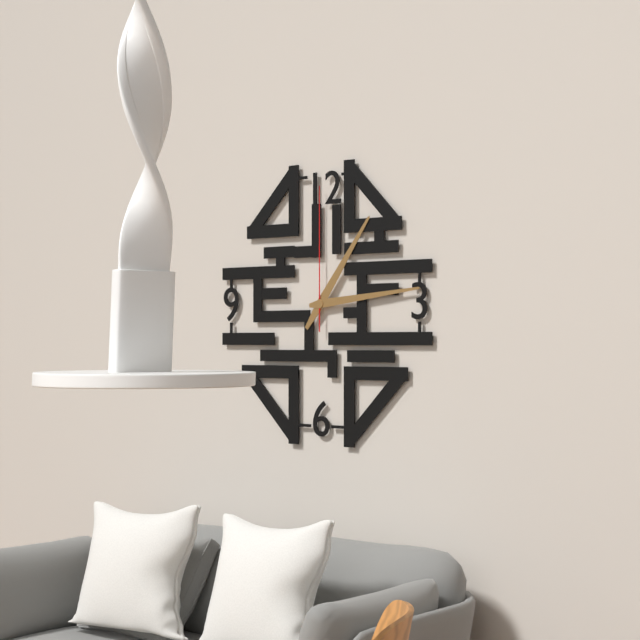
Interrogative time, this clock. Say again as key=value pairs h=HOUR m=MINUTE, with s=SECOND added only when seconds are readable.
h=1 m=14 s=0
